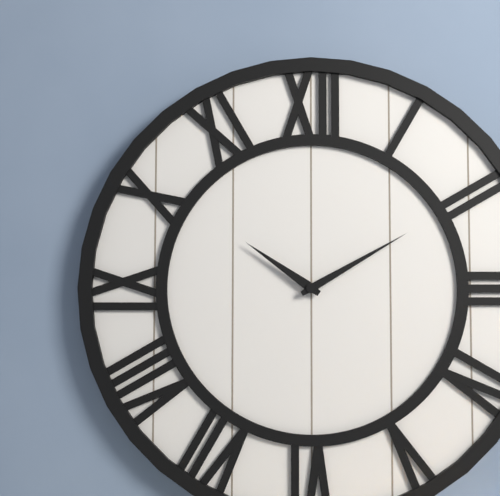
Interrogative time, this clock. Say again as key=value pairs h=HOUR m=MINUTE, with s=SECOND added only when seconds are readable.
h=10 m=10
